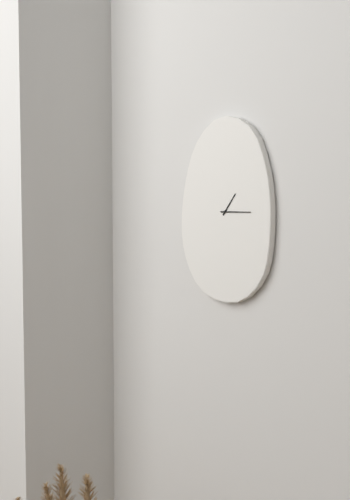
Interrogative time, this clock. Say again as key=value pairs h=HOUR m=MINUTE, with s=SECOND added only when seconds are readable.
h=1 m=15
